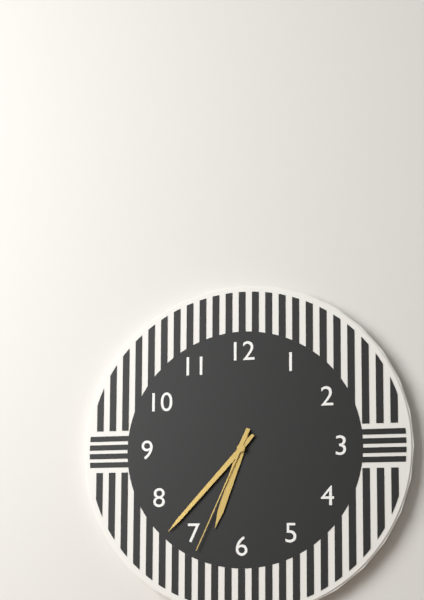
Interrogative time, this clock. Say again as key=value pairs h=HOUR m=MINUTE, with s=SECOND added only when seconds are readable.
h=6 m=37 s=34
